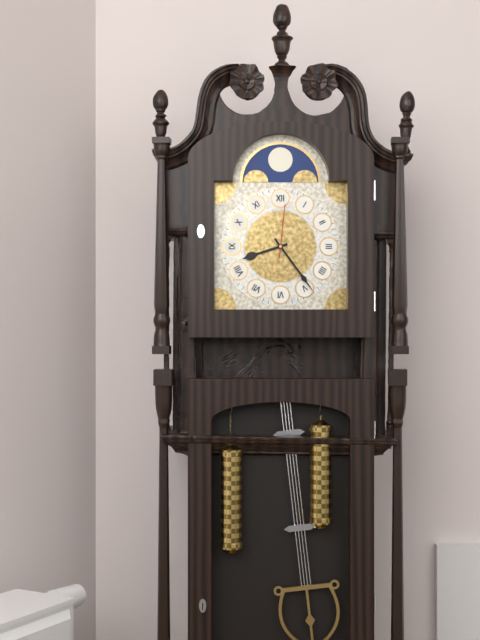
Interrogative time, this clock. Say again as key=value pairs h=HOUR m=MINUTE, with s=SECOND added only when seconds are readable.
h=8 m=24 s=1
